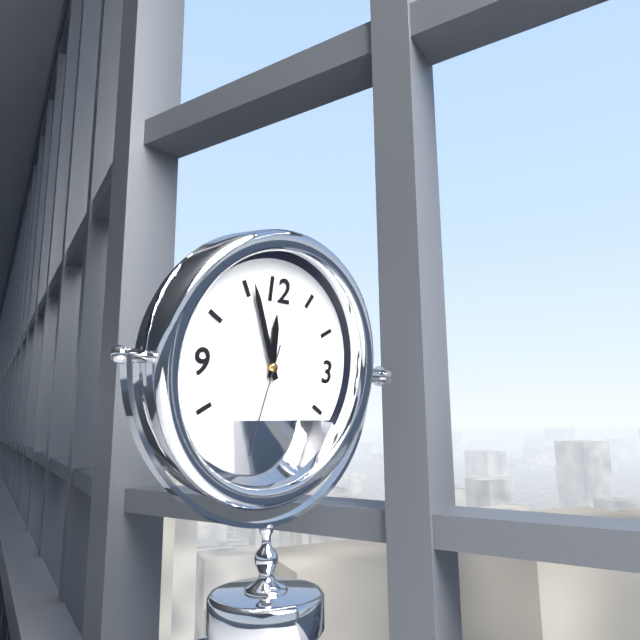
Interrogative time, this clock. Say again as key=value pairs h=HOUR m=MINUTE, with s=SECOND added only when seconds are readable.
h=11 m=56 s=32
